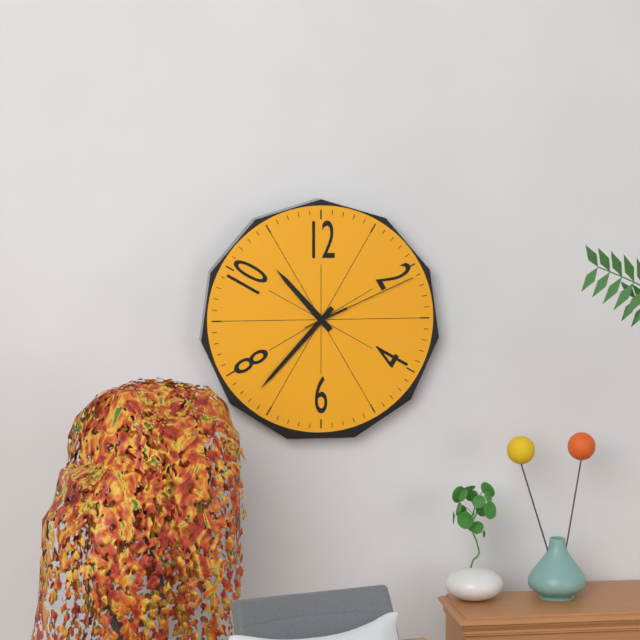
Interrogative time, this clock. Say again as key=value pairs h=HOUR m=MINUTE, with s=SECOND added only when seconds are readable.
h=10 m=37 s=11
